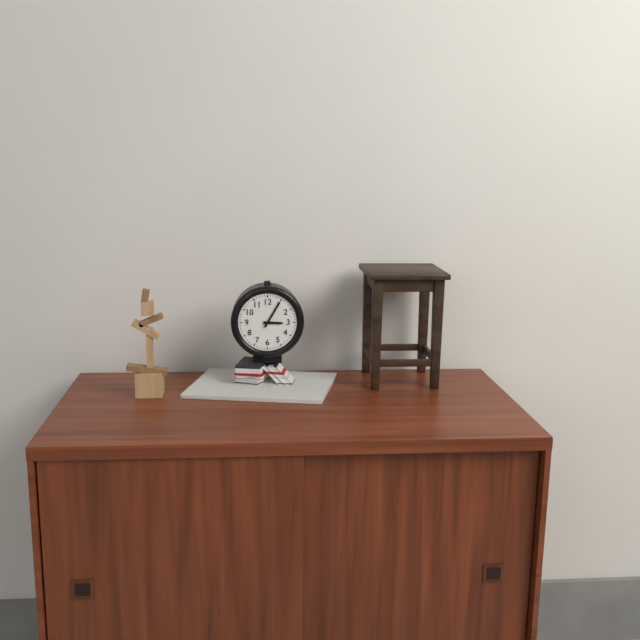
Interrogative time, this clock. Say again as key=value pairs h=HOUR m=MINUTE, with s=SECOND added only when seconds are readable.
h=3 m=5
